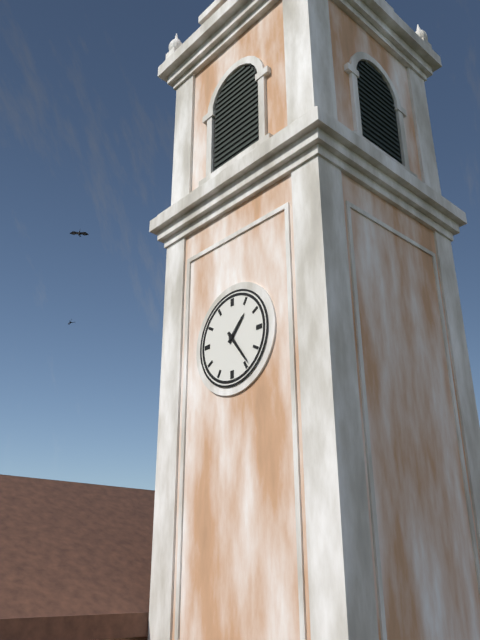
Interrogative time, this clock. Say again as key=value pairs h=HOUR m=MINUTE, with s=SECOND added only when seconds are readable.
h=1 m=24
